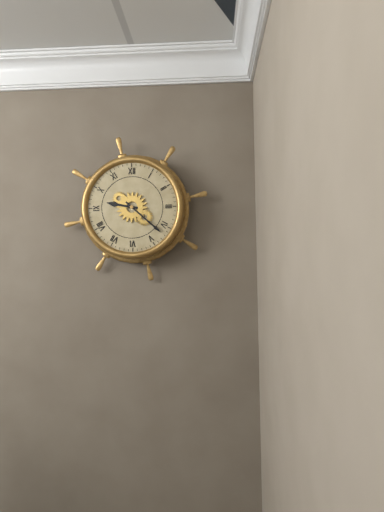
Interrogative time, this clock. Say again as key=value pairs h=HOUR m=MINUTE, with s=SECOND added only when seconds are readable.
h=9 m=22
